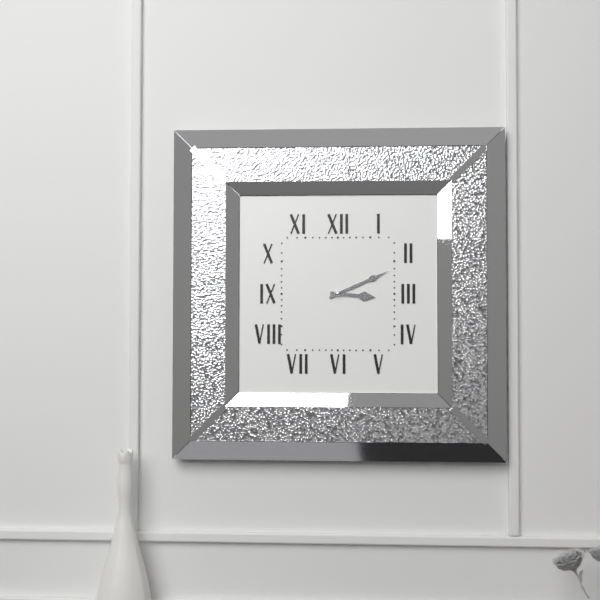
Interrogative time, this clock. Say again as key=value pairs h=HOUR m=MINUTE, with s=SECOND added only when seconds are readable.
h=3 m=11
